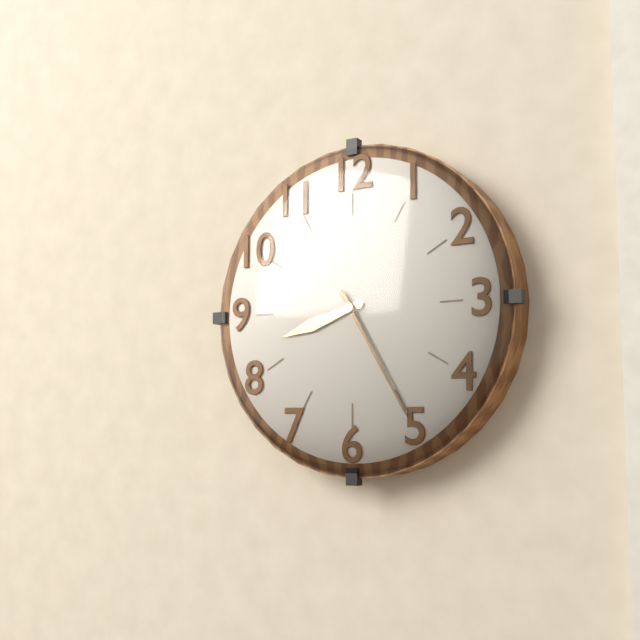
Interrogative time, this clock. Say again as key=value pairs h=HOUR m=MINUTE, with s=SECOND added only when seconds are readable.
h=8 m=25
